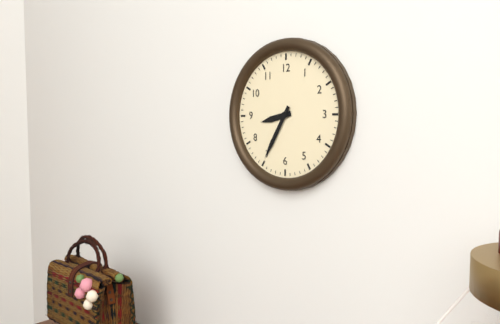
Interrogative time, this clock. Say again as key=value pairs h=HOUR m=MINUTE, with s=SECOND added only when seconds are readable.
h=8 m=35
